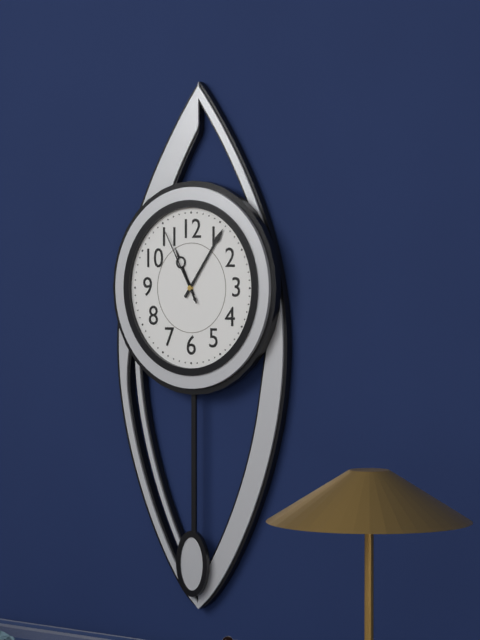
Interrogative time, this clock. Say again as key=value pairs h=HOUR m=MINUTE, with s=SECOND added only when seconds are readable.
h=11 m=6 s=55
